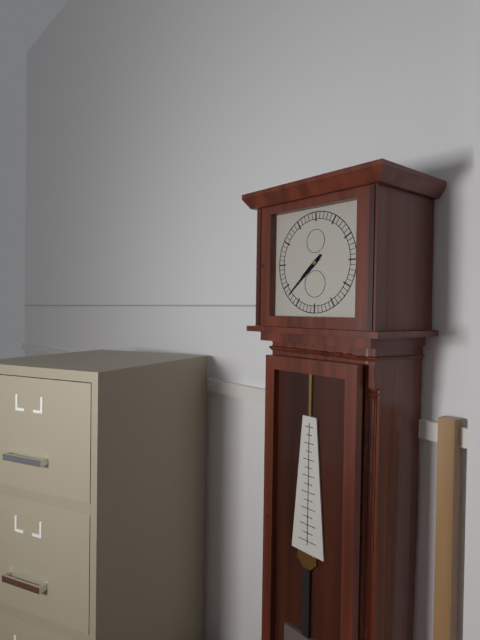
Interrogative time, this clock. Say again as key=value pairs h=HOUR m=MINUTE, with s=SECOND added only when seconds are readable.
h=7 m=38
